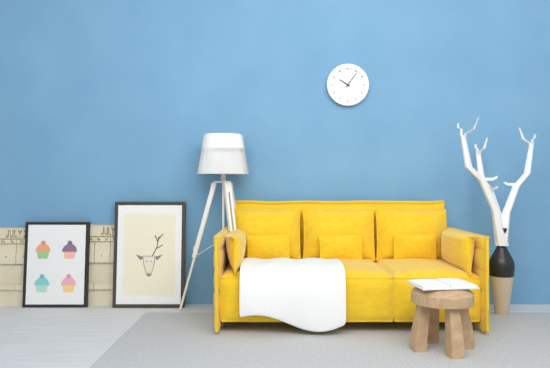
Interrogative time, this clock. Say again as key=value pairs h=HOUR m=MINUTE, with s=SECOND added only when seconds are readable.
h=10 m=6
